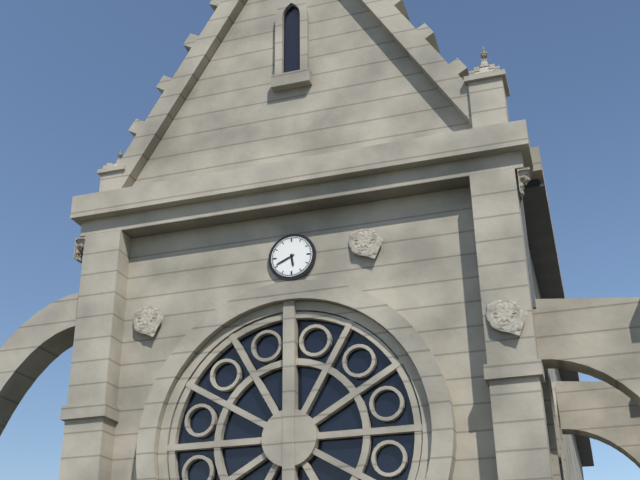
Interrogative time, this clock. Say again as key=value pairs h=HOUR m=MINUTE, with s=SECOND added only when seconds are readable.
h=5 m=41
